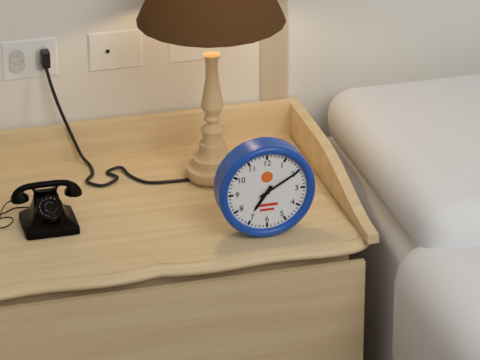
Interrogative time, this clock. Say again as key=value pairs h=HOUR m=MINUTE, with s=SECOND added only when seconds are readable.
h=7 m=10
